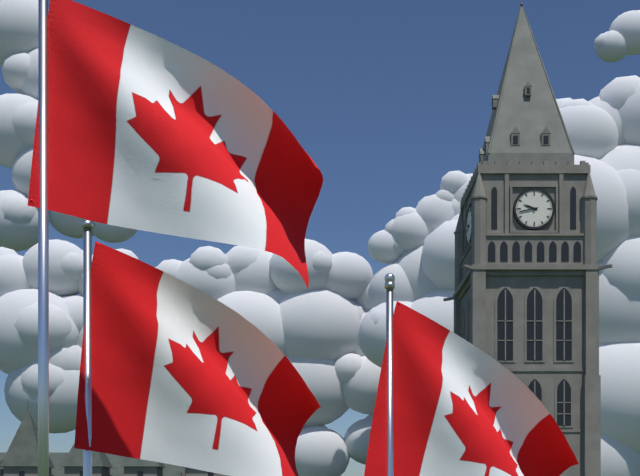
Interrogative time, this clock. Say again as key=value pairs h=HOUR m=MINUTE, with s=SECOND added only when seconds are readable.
h=9 m=43
